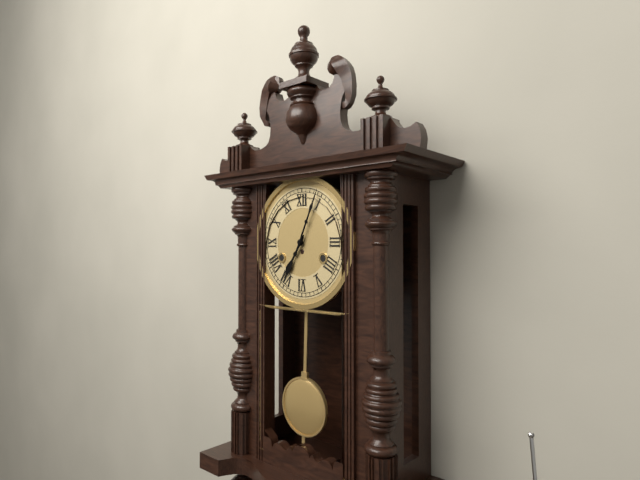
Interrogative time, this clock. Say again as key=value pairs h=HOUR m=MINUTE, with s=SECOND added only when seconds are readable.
h=7 m=4
